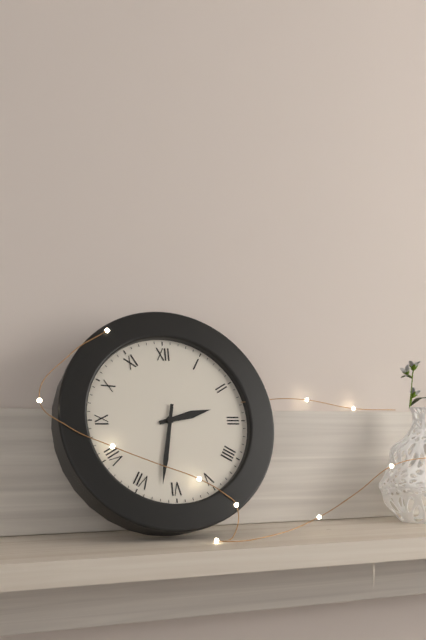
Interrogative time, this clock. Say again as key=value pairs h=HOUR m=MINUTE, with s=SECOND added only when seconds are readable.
h=2 m=32
